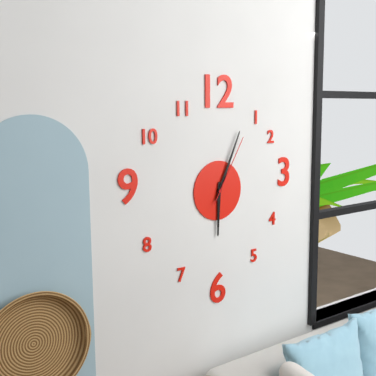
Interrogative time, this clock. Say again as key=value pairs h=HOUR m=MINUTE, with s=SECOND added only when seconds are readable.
h=6 m=4 s=5
